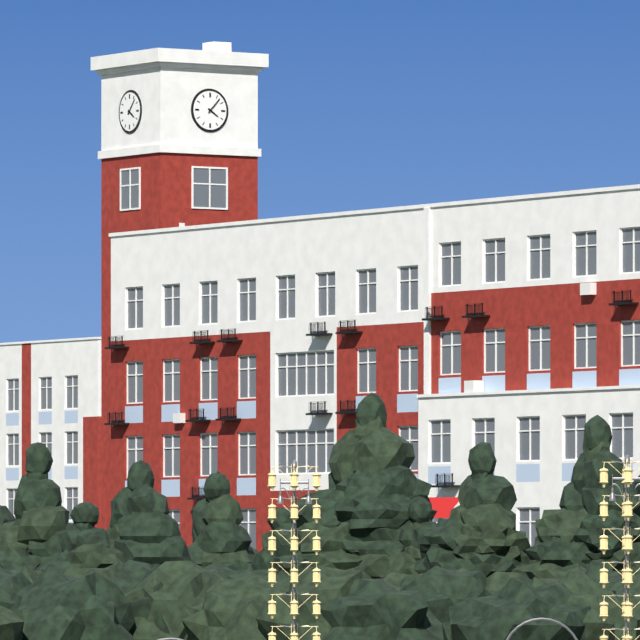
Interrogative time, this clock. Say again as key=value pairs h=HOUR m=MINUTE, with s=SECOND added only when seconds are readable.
h=4 m=7
